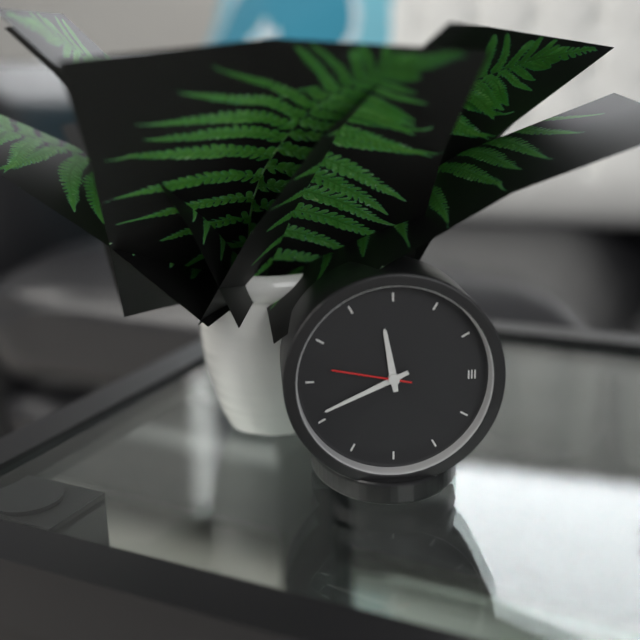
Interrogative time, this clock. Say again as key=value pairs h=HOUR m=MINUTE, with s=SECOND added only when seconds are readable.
h=11 m=41 s=47
